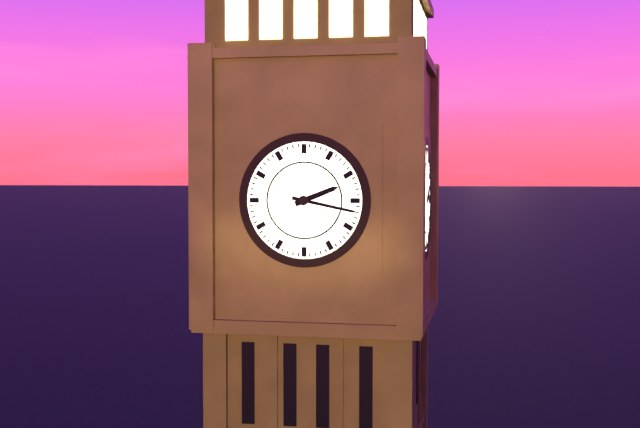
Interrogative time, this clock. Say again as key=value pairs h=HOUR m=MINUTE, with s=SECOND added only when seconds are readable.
h=2 m=17
